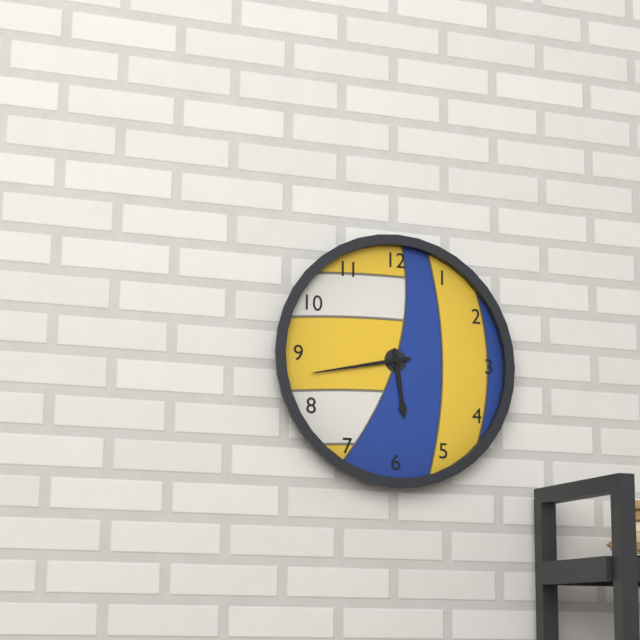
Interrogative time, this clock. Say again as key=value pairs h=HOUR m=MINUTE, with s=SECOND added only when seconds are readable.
h=5 m=43
